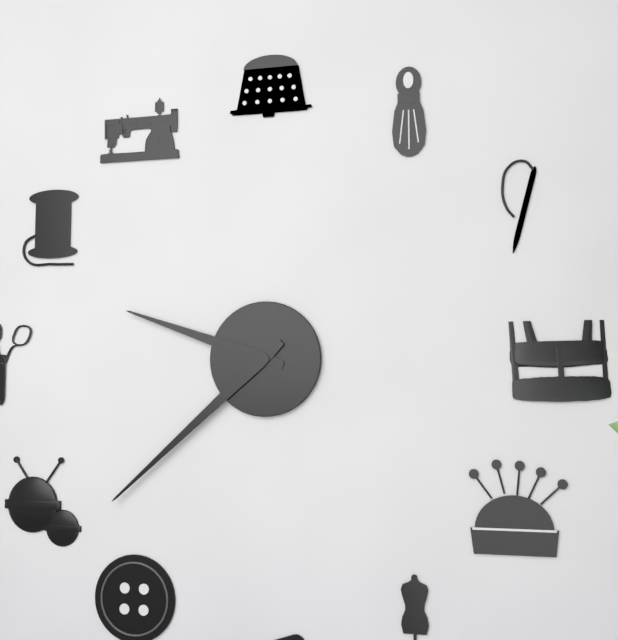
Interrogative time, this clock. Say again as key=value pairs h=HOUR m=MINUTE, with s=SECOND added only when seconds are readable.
h=9 m=38
